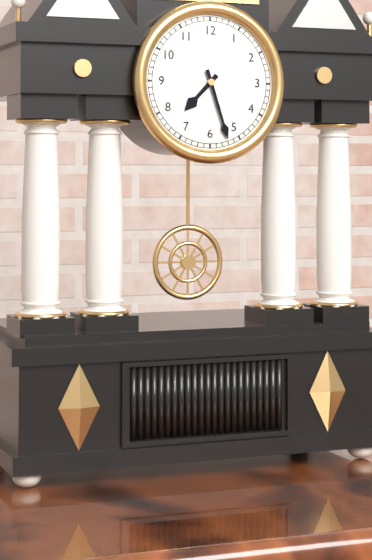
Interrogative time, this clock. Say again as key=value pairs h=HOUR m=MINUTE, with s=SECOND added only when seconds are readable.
h=7 m=27
